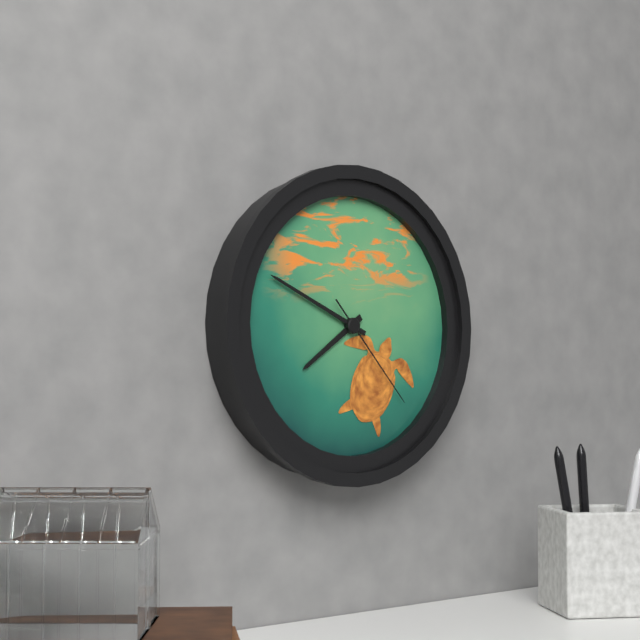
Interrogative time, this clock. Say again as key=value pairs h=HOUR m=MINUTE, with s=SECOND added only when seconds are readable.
h=7 m=49 s=23
